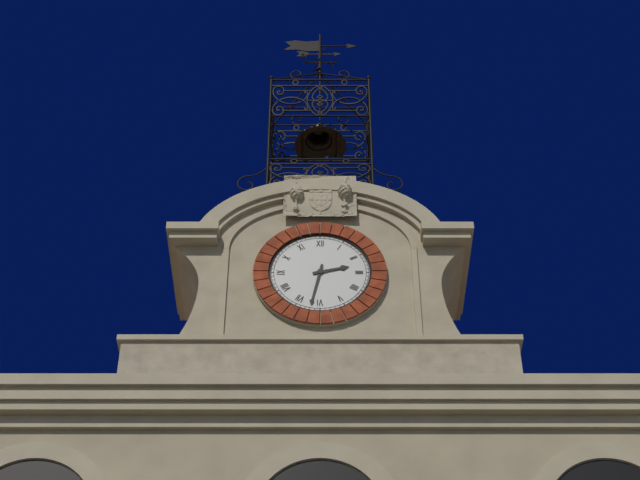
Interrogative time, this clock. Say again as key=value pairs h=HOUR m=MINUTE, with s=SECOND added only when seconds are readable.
h=2 m=32
